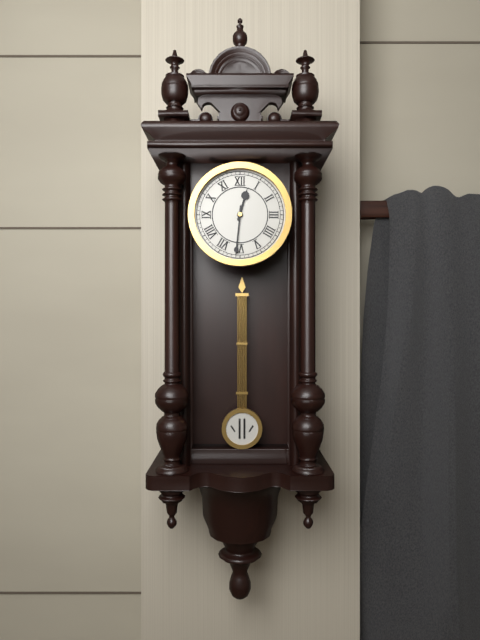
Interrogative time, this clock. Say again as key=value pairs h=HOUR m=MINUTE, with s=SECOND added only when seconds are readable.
h=12 m=31
